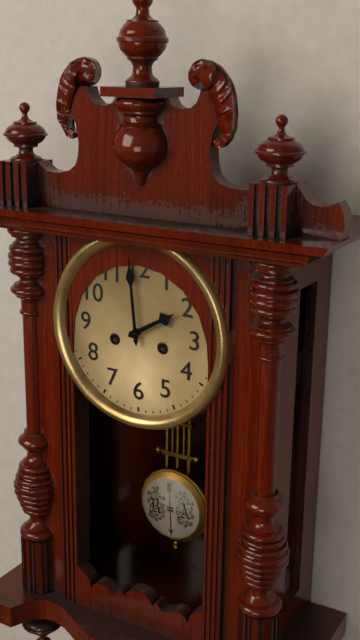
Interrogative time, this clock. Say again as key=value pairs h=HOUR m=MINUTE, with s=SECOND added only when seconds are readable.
h=1 m=59
